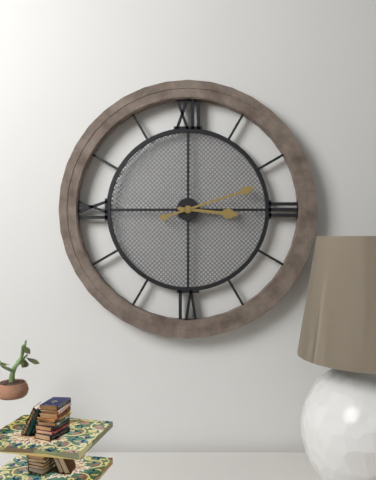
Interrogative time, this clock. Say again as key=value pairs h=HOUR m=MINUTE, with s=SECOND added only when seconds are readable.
h=3 m=12
